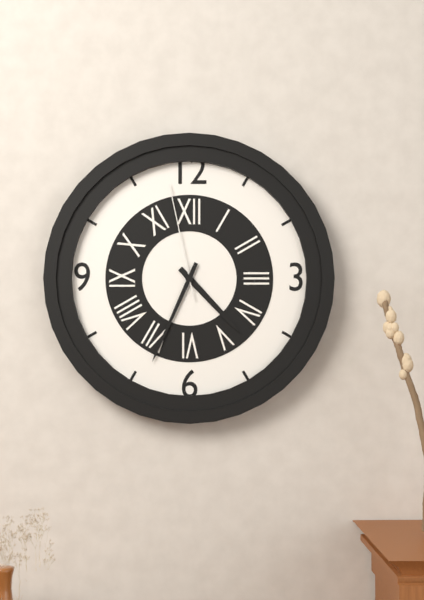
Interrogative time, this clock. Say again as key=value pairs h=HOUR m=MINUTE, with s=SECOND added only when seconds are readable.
h=4 m=34 s=58
